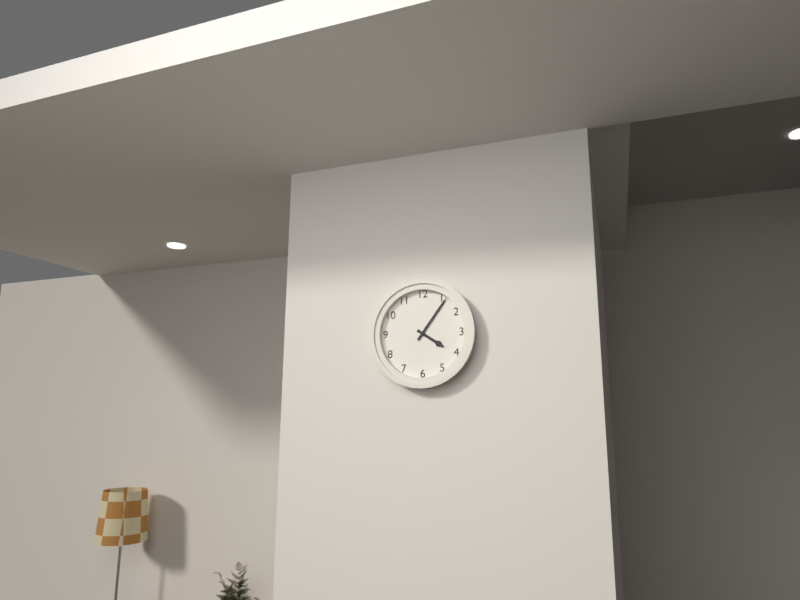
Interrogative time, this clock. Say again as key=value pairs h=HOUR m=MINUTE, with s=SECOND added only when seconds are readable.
h=4 m=6
